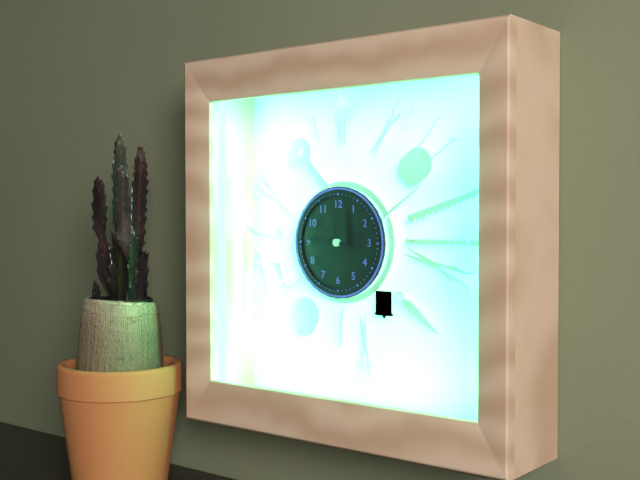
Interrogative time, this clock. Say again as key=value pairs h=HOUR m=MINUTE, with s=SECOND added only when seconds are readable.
h=11 m=46
